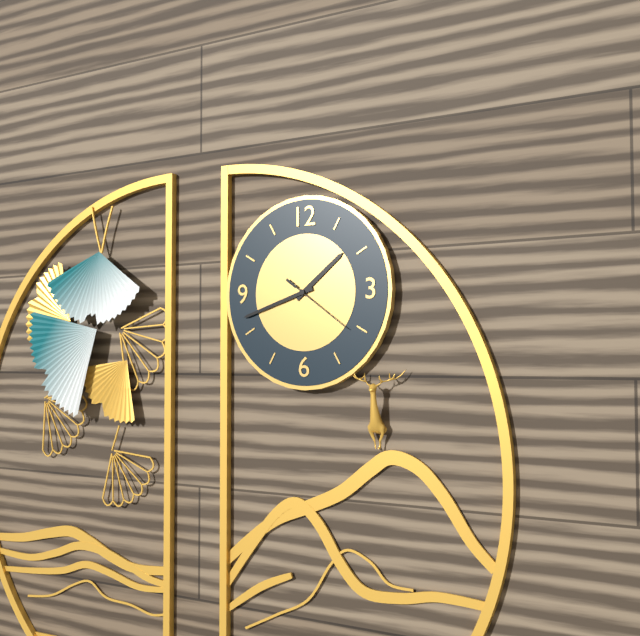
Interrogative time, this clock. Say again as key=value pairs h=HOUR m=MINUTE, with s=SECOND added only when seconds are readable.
h=1 m=42 s=21
